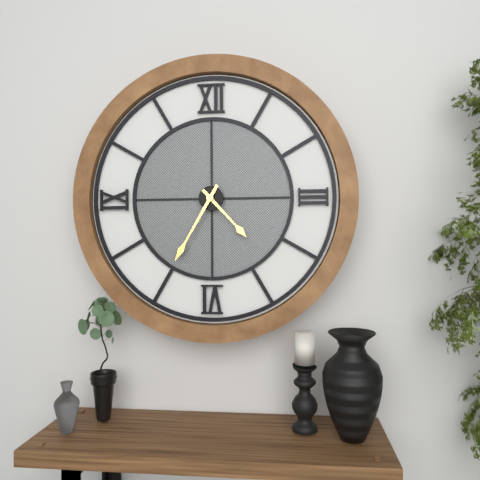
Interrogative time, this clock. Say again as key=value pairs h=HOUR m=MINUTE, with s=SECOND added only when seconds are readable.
h=4 m=35
